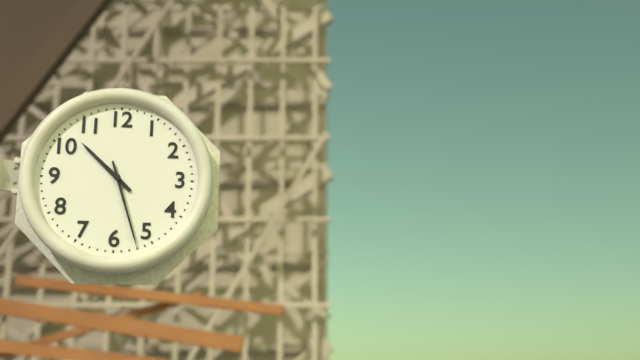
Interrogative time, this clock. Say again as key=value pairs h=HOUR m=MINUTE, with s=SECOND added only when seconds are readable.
h=10 m=27
